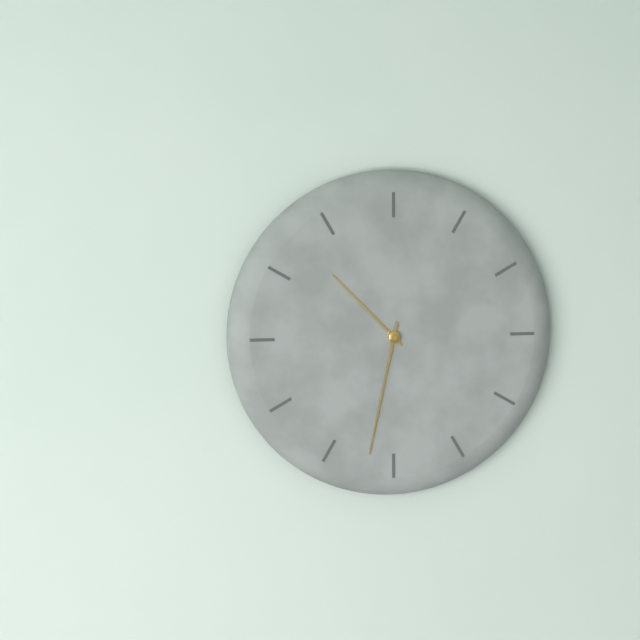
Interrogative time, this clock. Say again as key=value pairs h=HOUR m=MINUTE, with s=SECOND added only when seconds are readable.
h=10 m=32
